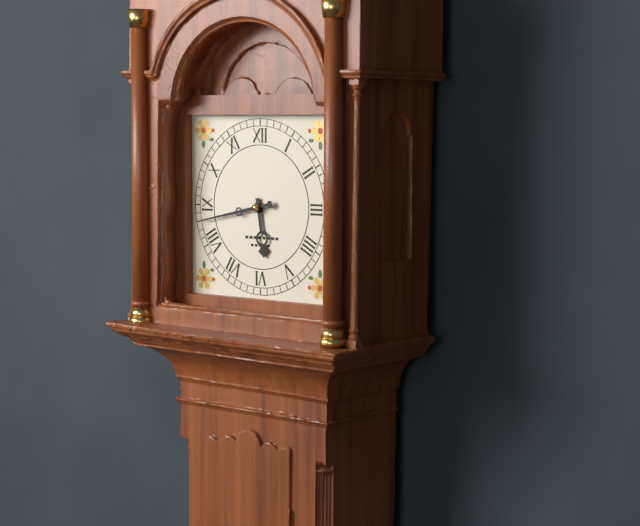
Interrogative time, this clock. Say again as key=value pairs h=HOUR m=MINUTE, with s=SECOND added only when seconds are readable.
h=5 m=43
